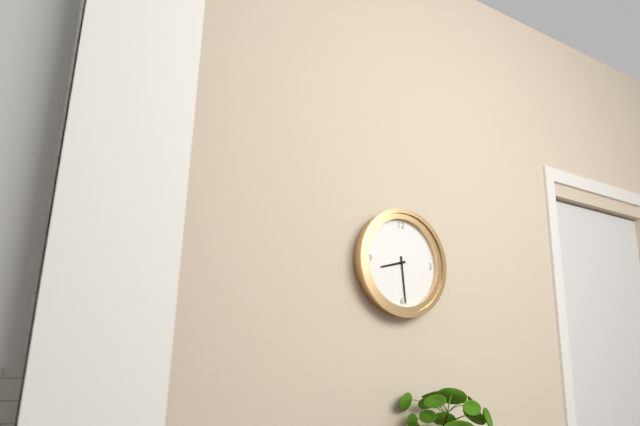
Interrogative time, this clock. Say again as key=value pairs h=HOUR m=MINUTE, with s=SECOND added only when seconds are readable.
h=8 m=29
